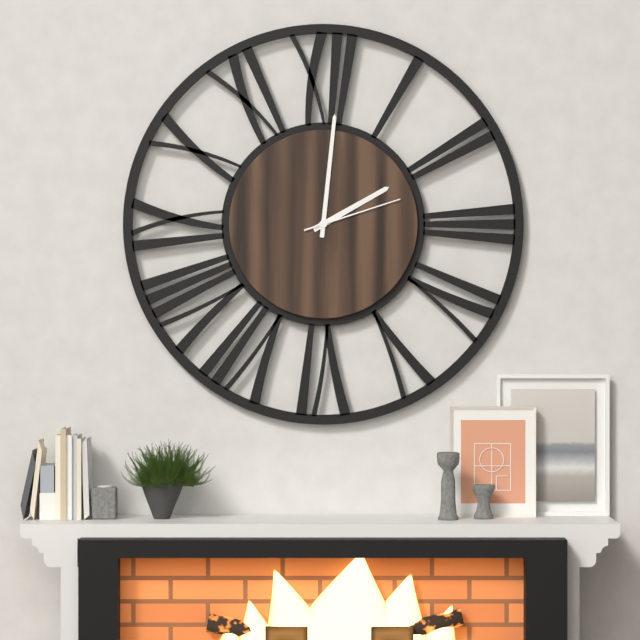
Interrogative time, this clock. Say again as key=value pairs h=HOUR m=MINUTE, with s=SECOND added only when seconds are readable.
h=2 m=1 s=12
